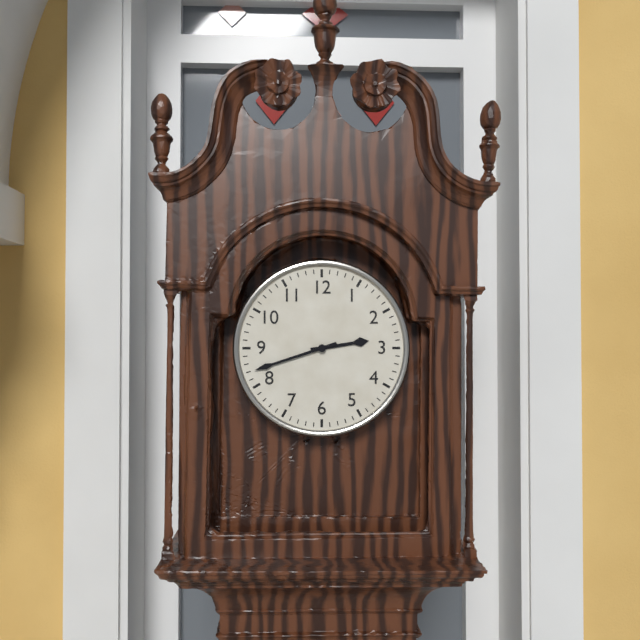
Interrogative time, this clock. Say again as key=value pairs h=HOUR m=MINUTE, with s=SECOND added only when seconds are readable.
h=2 m=42
